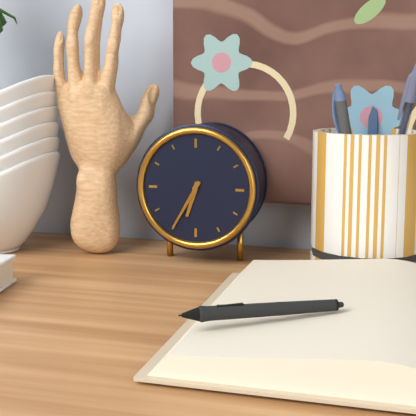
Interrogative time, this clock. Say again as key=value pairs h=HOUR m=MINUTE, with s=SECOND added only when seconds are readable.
h=6 m=35
